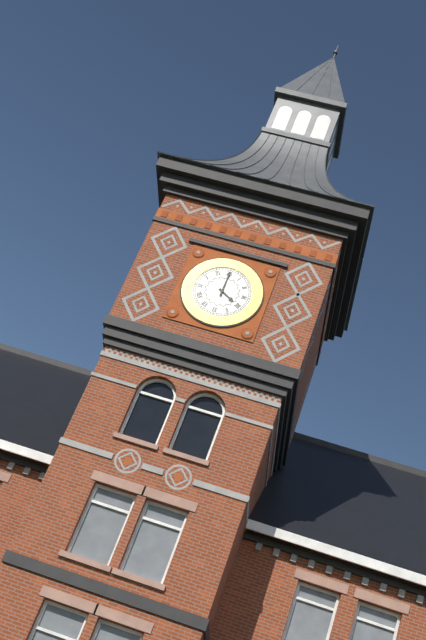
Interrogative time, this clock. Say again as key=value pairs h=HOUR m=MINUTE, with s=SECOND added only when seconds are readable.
h=4 m=0
